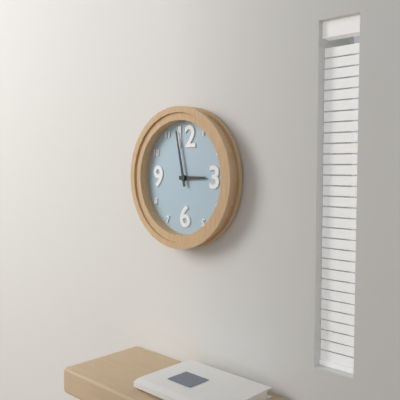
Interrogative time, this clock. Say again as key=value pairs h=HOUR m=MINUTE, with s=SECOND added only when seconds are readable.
h=2 m=58
